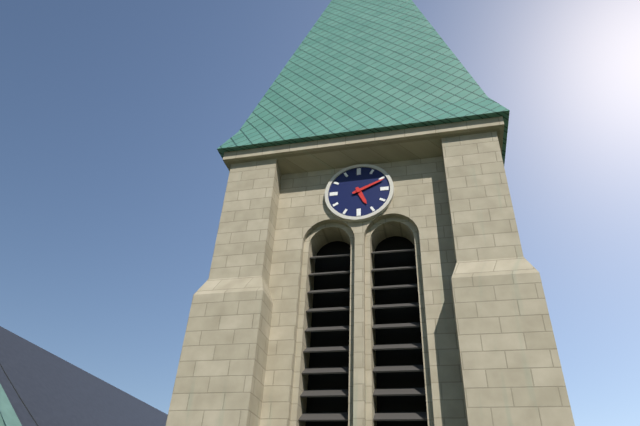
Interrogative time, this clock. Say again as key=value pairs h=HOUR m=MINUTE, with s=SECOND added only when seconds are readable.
h=5 m=11
